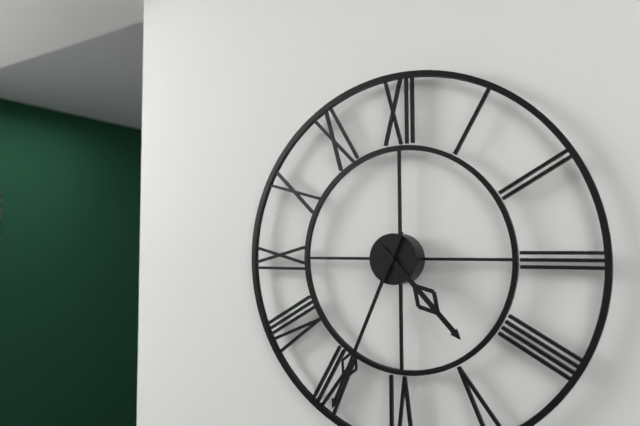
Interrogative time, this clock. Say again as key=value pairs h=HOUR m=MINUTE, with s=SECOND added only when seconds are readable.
h=4 m=34
